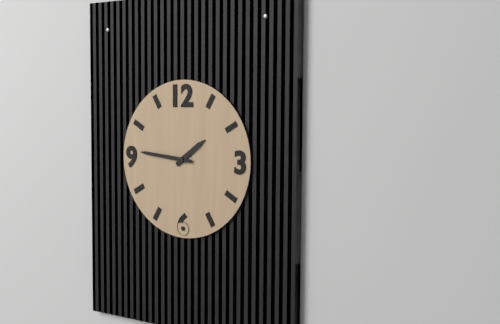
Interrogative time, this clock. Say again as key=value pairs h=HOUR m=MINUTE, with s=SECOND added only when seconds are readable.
h=1 m=46
